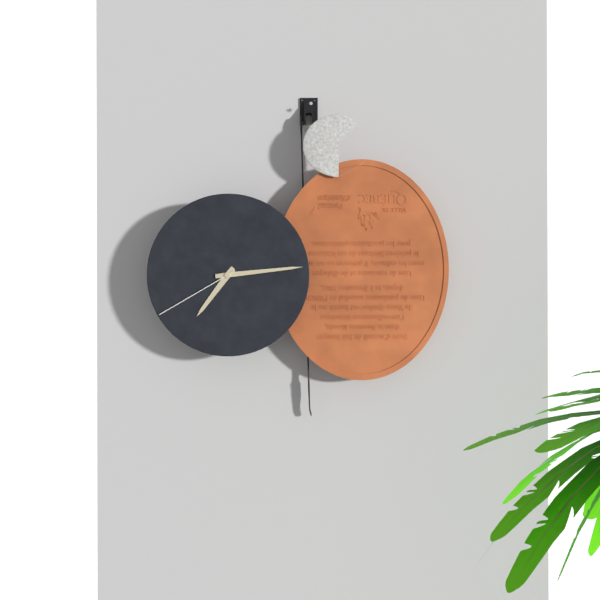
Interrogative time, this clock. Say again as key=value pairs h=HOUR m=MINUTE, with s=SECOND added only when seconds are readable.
h=7 m=14 s=40
